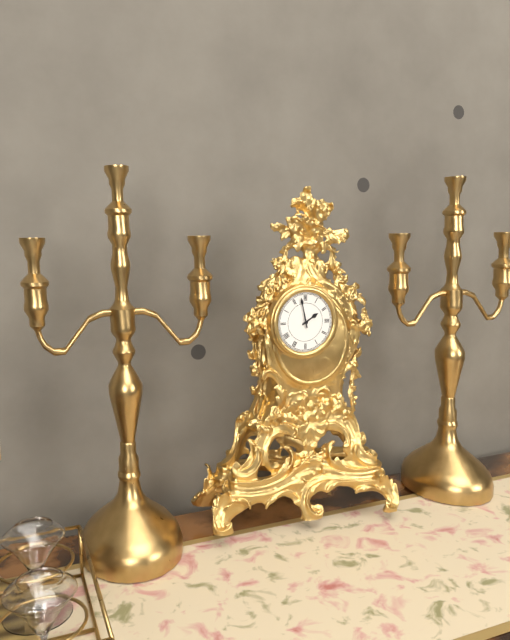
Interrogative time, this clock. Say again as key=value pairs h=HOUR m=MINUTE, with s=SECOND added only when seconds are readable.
h=1 m=58
